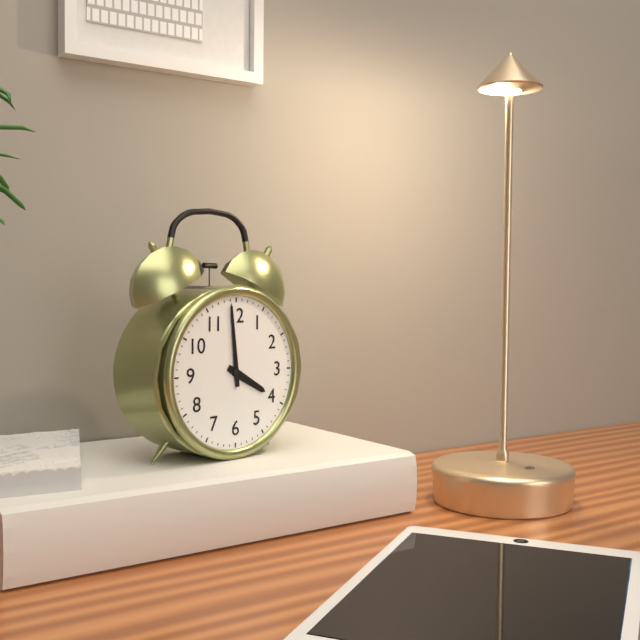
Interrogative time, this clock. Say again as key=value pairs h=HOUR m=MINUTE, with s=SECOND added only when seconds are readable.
h=3 m=59
